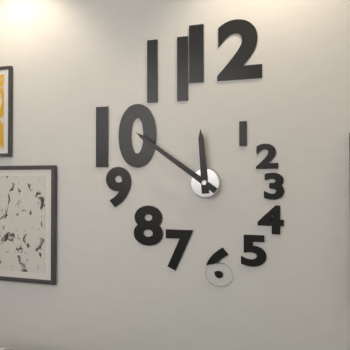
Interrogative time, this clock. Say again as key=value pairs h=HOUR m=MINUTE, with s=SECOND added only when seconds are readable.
h=11 m=51
